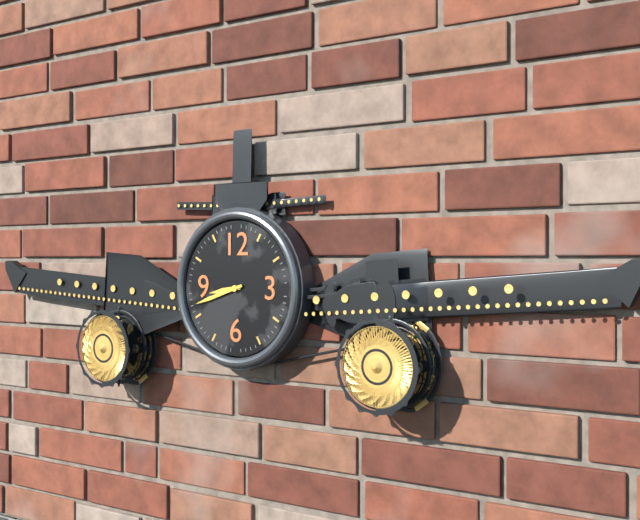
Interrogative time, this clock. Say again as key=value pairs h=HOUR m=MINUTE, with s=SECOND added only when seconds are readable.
h=8 m=42
